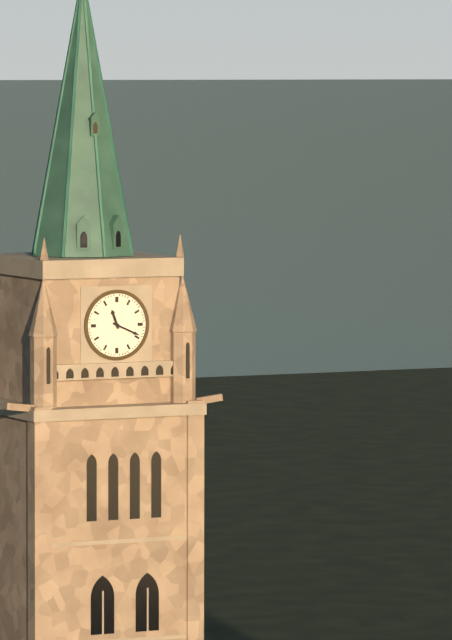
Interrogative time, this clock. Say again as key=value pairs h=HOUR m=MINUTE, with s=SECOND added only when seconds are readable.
h=11 m=19
